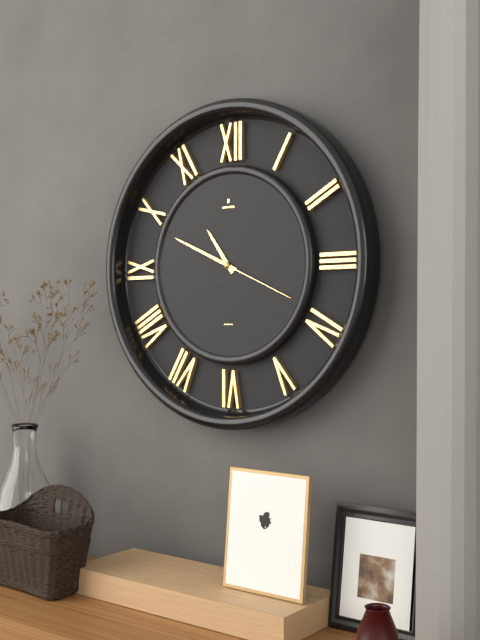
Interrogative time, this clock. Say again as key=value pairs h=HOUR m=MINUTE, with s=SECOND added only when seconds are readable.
h=10 m=49 s=19
